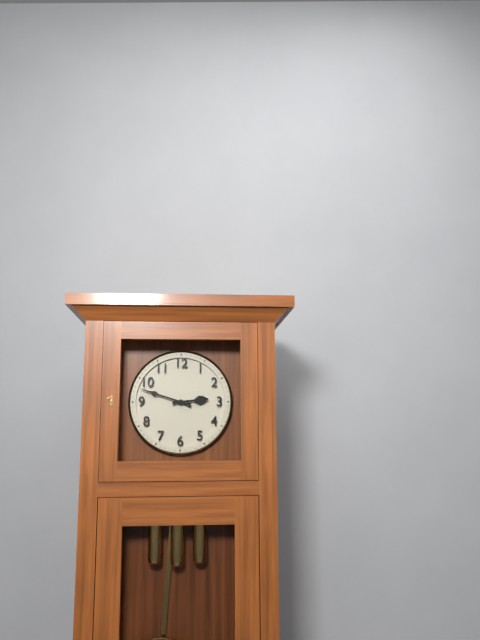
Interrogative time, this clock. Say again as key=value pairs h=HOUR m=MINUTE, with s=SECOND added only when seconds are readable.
h=2 m=48
